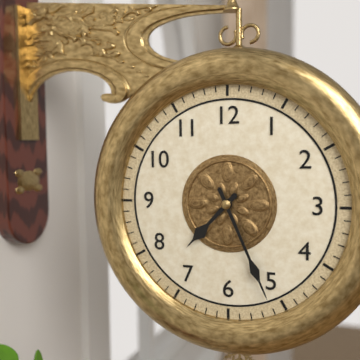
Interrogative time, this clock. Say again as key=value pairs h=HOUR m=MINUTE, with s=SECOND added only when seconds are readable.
h=7 m=26
